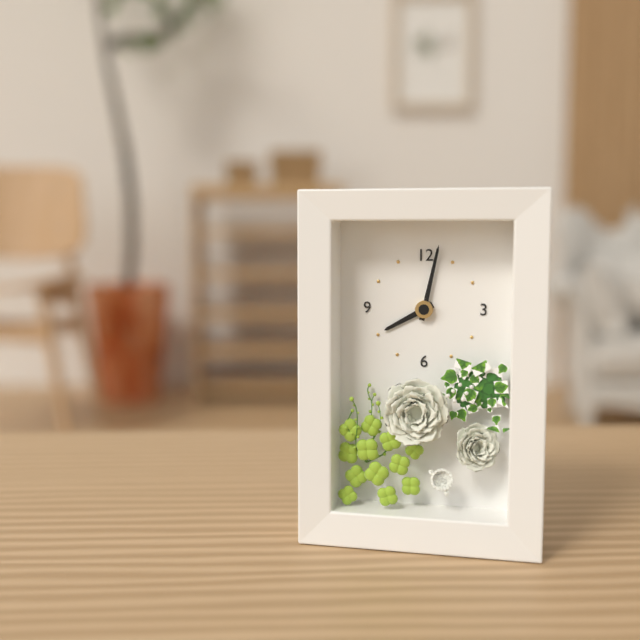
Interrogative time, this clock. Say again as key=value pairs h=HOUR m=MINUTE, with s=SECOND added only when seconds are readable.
h=8 m=2
